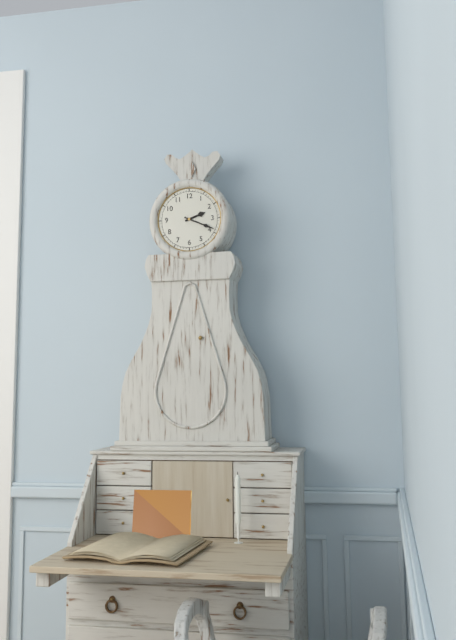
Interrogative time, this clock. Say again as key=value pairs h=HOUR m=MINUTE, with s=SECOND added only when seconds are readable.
h=2 m=19
